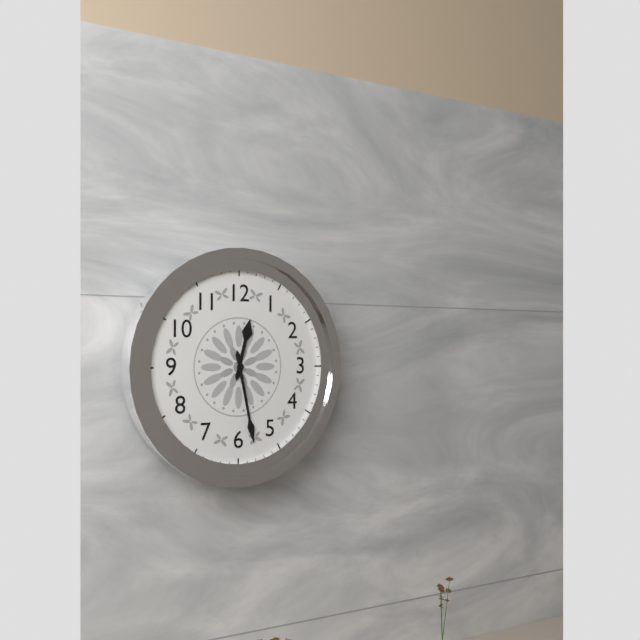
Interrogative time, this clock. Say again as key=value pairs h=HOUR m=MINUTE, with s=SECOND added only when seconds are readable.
h=12 m=28
